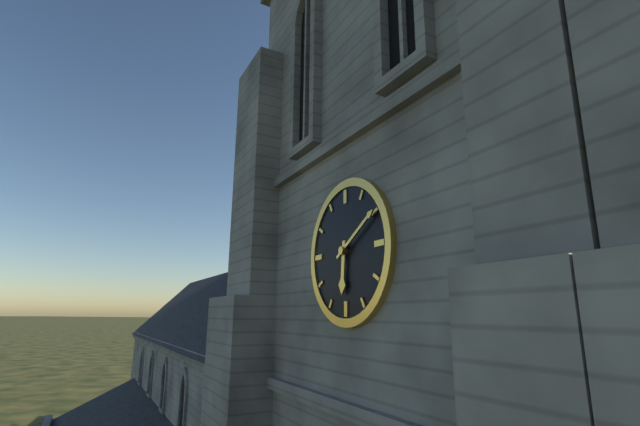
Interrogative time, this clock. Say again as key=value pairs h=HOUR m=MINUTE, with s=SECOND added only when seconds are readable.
h=6 m=10
